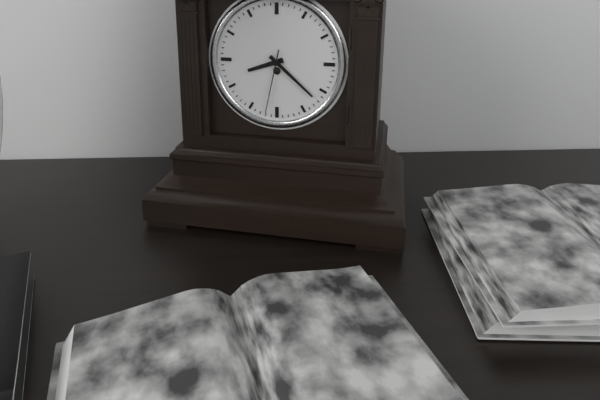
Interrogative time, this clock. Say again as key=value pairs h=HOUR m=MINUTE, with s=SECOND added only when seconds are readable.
h=8 m=22 s=32
